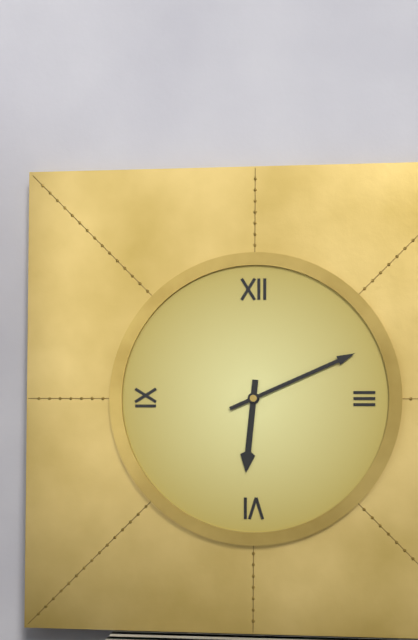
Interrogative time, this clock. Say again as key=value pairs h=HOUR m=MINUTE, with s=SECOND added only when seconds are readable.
h=6 m=11
